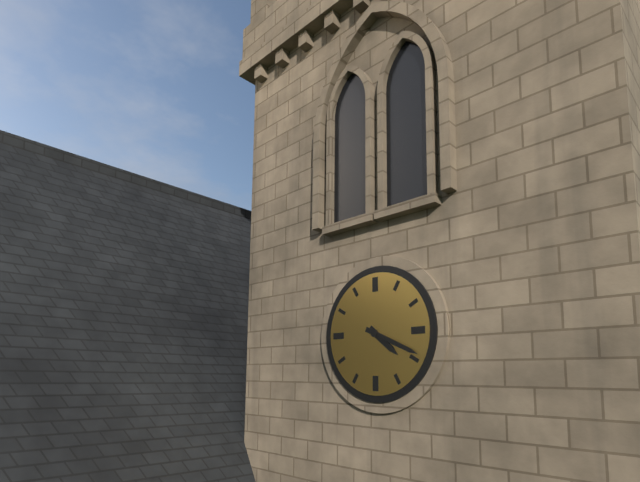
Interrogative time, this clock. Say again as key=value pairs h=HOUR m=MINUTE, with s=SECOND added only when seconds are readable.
h=4 m=19
